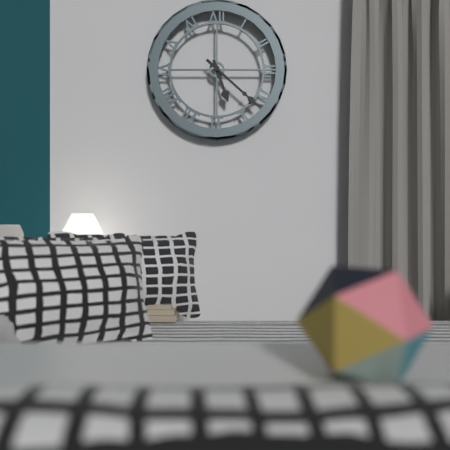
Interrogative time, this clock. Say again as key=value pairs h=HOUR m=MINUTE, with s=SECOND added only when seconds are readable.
h=5 m=22
